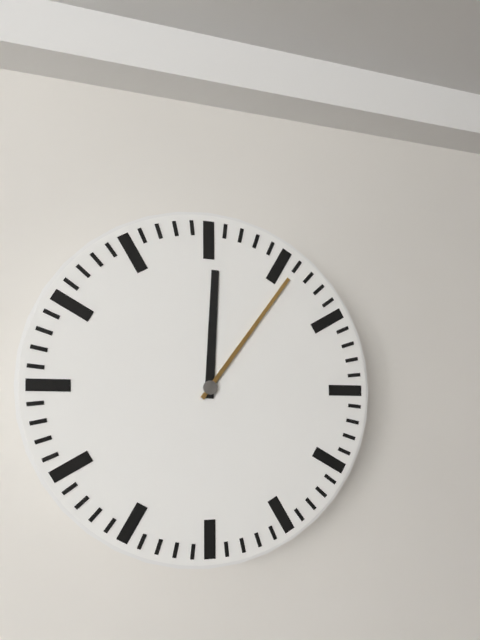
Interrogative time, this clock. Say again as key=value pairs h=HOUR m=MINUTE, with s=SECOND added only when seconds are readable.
h=12 m=6
